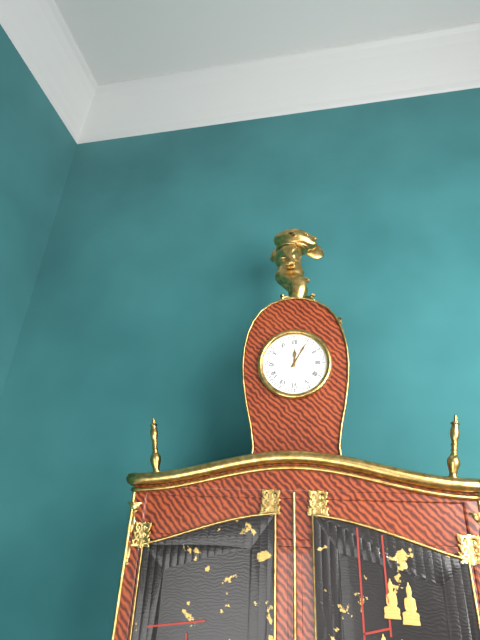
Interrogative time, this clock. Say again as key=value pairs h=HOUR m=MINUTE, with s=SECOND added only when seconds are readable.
h=12 m=5
